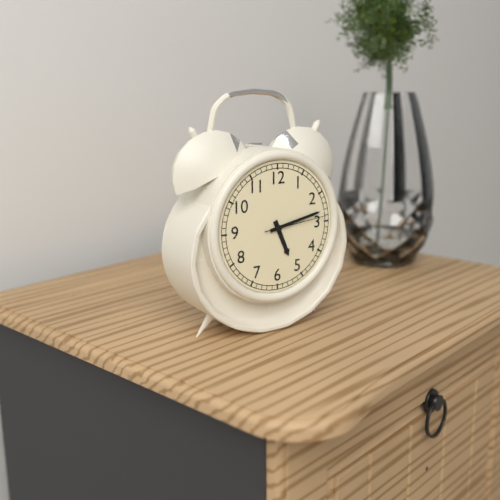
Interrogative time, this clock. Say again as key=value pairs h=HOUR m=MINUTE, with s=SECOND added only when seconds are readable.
h=5 m=13 s=14
